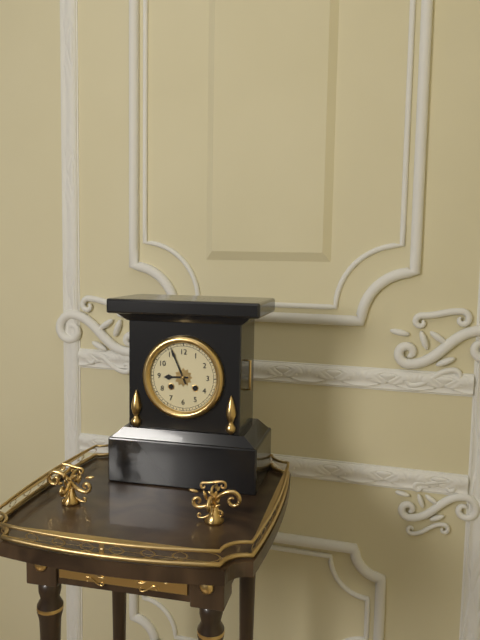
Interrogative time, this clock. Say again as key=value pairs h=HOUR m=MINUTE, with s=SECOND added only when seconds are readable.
h=8 m=56
